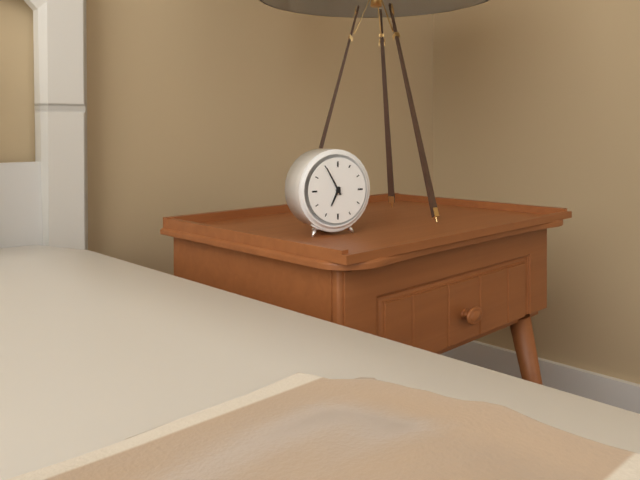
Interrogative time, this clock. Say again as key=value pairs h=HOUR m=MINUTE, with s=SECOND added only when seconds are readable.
h=6 m=55
